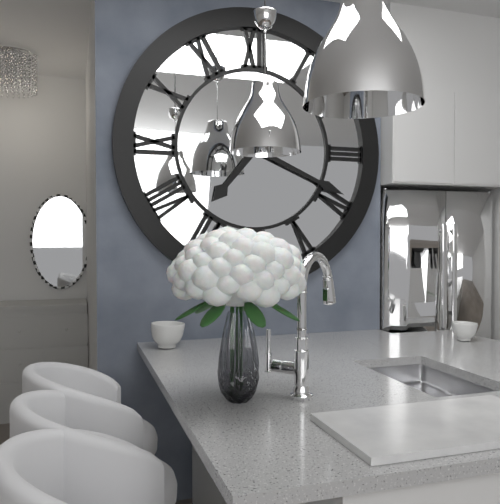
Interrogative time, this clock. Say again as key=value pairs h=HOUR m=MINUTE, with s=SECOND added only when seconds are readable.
h=7 m=19
